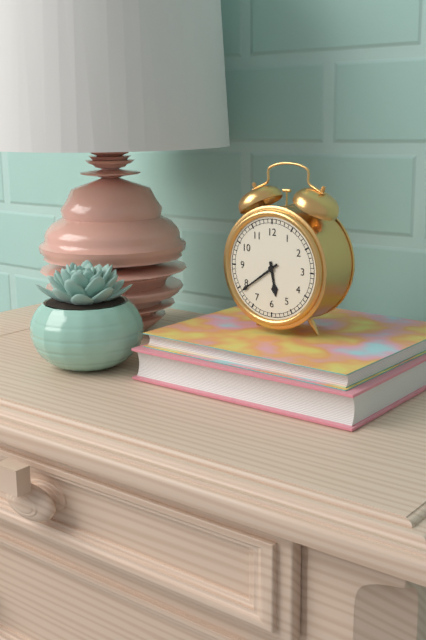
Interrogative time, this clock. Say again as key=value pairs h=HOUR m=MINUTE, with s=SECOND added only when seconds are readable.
h=5 m=39
